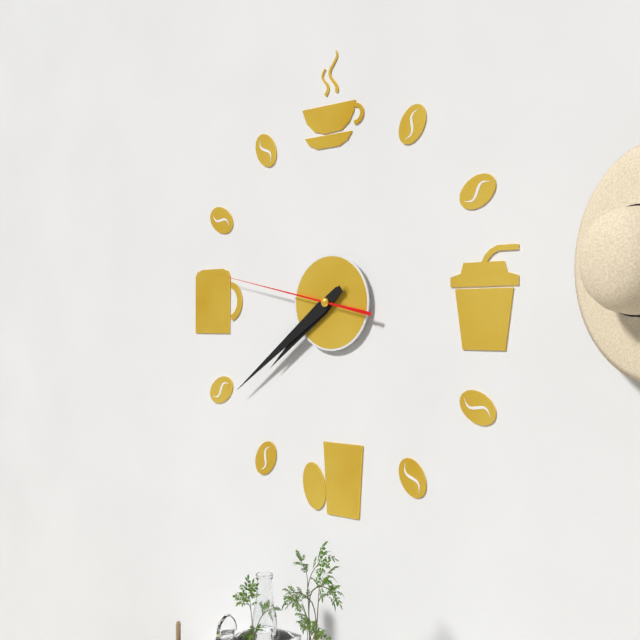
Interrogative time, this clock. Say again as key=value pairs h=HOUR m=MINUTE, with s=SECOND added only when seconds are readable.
h=7 m=39 s=47
